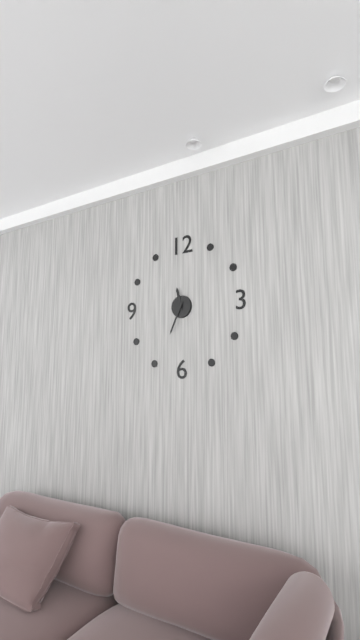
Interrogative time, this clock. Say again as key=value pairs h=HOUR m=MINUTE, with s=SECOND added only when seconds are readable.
h=11 m=34
